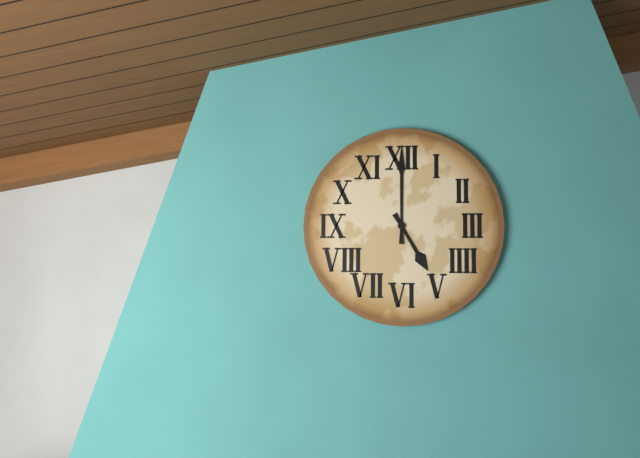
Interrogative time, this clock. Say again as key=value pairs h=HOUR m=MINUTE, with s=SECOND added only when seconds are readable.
h=5 m=0
